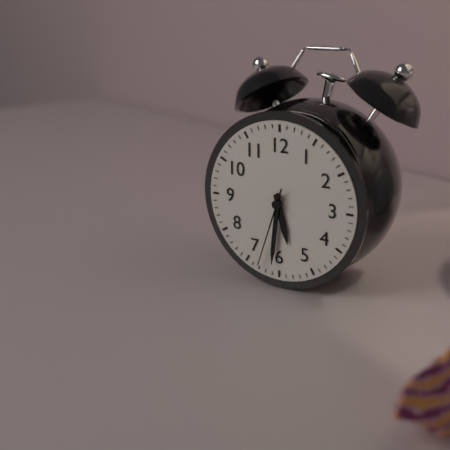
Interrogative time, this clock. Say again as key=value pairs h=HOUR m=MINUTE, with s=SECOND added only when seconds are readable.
h=5 m=31 s=33
